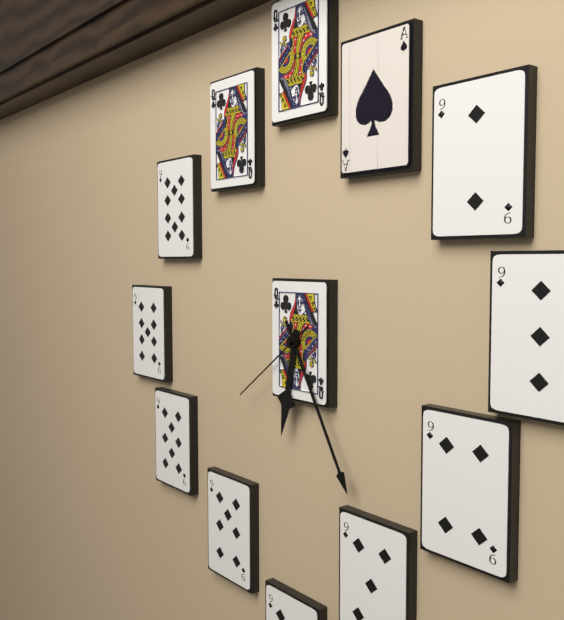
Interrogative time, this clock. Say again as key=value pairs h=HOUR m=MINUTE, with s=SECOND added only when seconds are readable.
h=6 m=25 s=39
